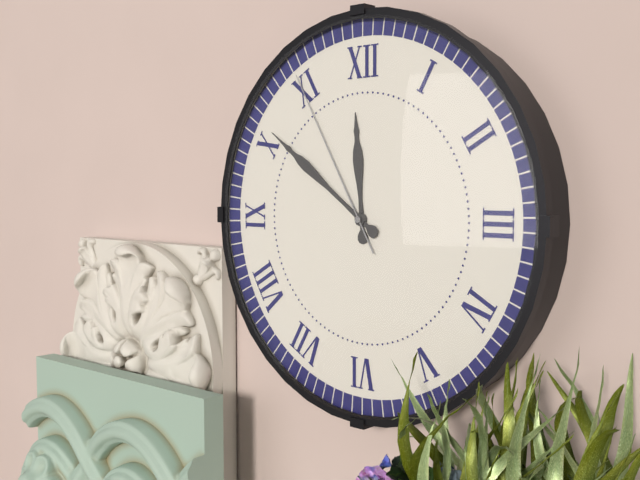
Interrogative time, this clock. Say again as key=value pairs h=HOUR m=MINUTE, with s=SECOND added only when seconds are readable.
h=11 m=51 s=55
